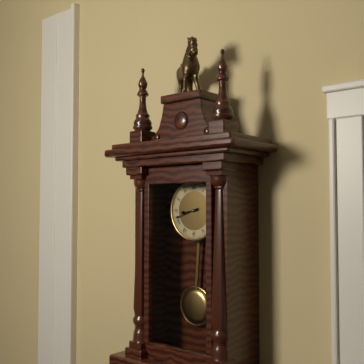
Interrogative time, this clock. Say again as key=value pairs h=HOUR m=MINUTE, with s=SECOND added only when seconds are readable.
h=8 m=42
